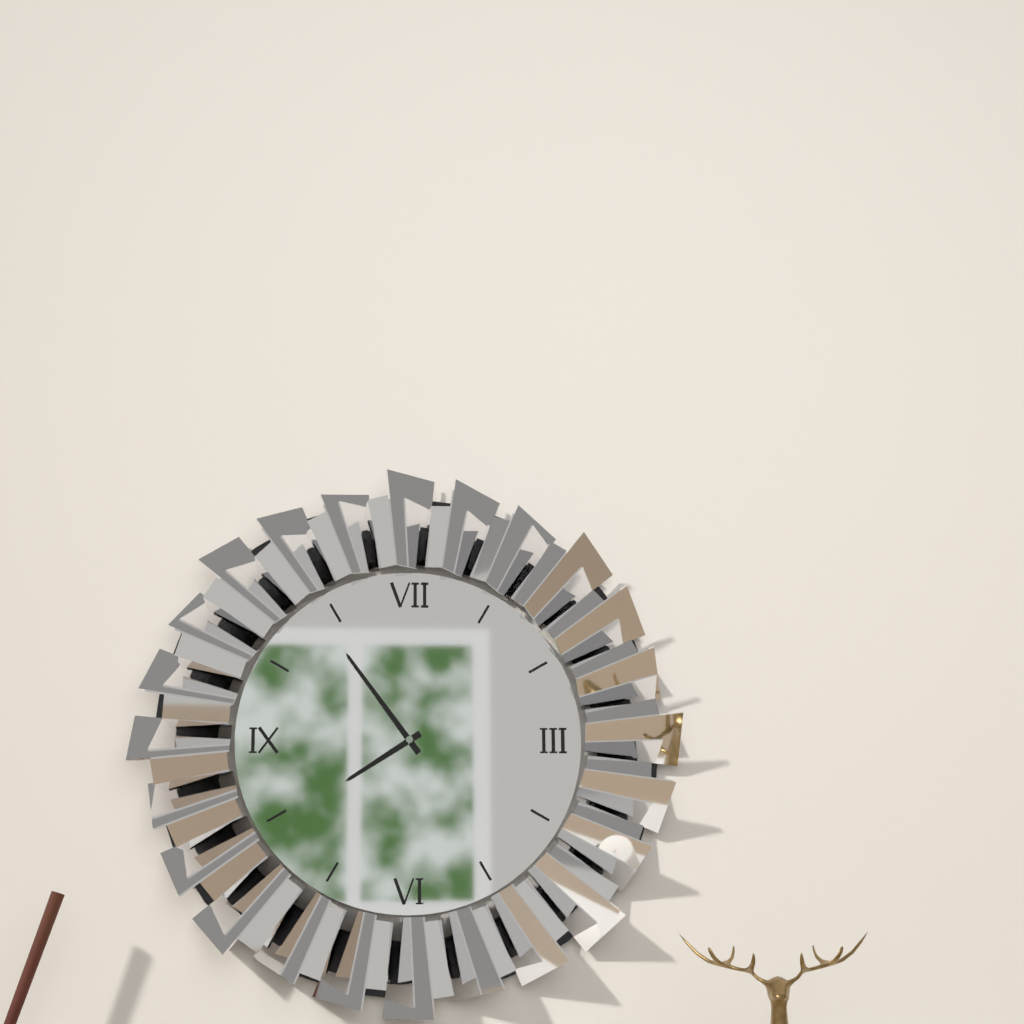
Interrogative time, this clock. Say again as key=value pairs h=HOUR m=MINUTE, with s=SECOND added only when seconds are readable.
h=7 m=54
